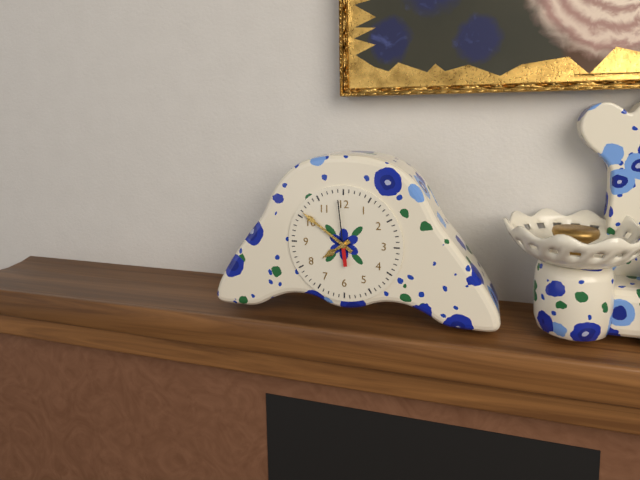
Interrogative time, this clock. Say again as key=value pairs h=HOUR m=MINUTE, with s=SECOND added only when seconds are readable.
h=7 m=51
